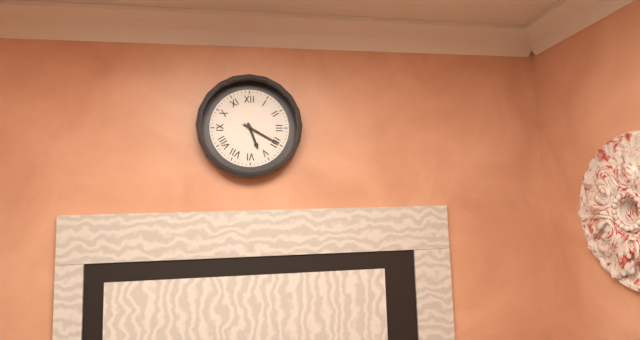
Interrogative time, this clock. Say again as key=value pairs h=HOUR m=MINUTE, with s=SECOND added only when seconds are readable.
h=5 m=20
